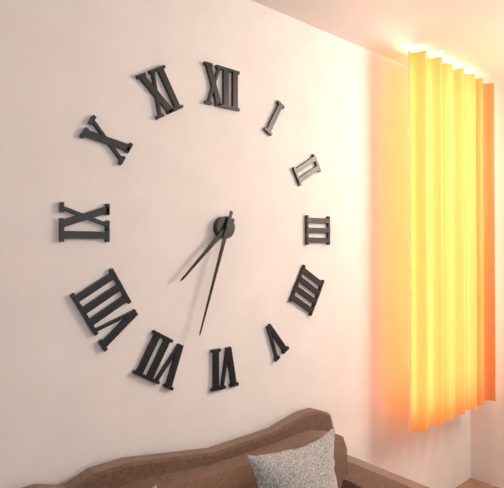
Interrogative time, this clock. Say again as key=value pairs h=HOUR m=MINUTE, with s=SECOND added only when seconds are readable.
h=7 m=33
